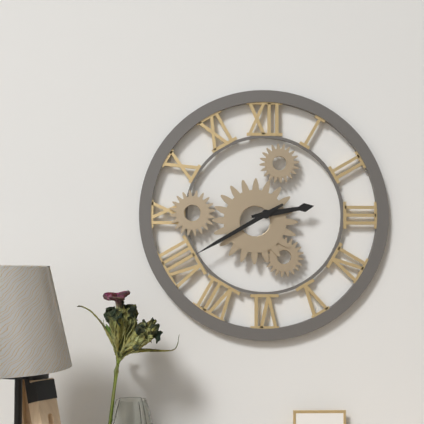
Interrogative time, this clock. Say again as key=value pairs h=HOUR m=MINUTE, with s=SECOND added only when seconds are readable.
h=2 m=40
